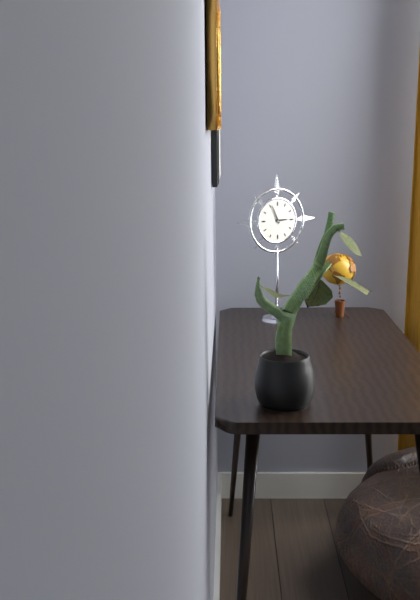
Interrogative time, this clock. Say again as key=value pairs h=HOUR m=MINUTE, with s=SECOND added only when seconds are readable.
h=2 m=56
